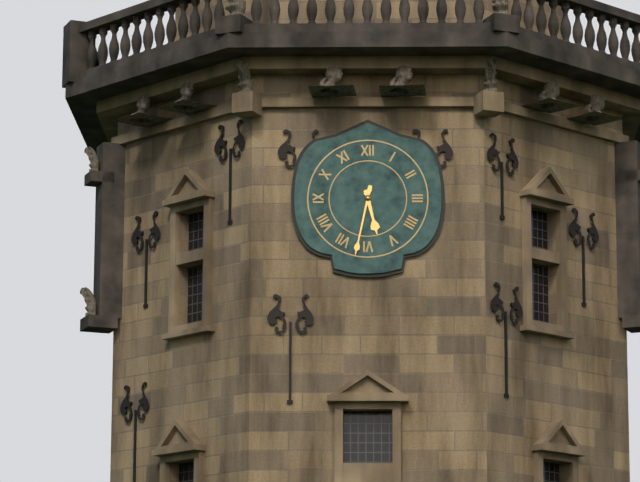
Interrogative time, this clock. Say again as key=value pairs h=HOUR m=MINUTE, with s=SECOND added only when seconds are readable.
h=5 m=32
